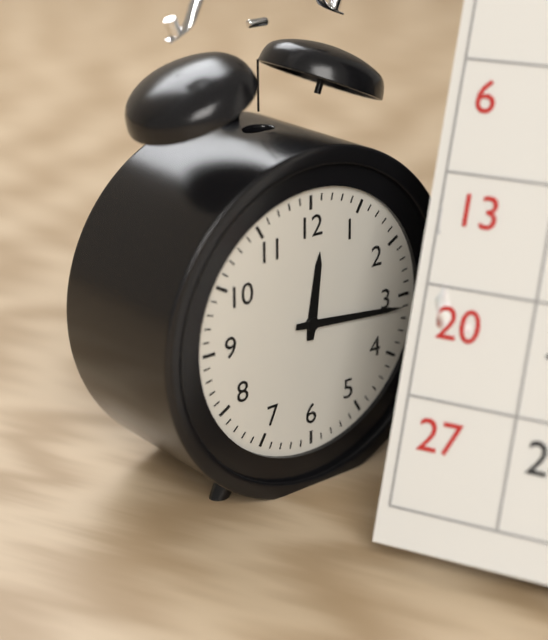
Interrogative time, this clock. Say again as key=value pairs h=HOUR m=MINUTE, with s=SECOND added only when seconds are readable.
h=12 m=16
